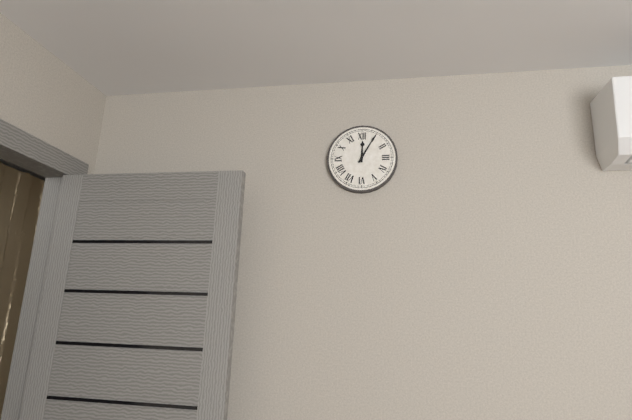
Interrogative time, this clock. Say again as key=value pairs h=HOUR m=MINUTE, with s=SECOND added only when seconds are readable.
h=12 m=5
